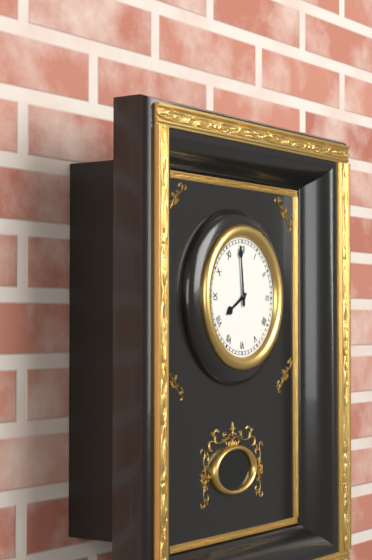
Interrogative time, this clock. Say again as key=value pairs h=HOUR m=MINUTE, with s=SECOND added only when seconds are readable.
h=7 m=59
